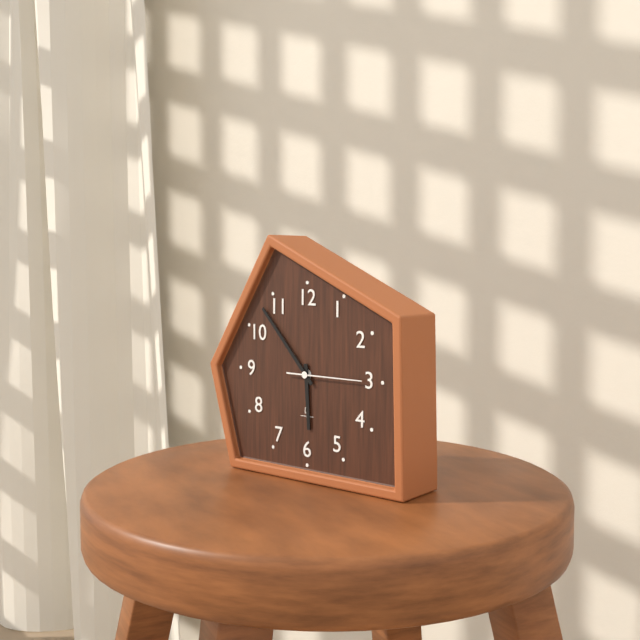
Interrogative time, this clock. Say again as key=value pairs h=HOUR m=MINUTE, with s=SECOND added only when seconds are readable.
h=5 m=53 s=15
